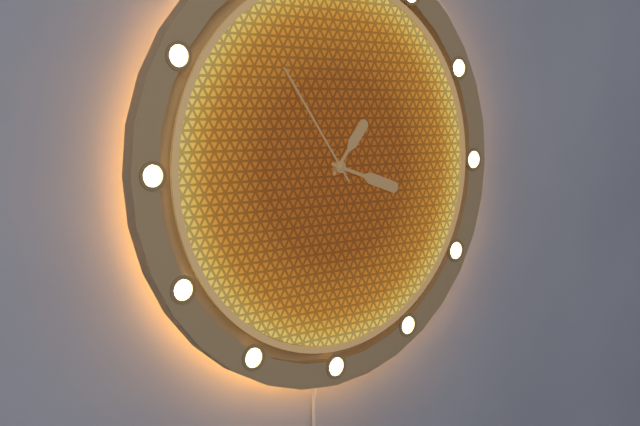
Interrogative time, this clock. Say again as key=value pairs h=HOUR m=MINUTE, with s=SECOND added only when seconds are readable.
h=1 m=18 s=54
